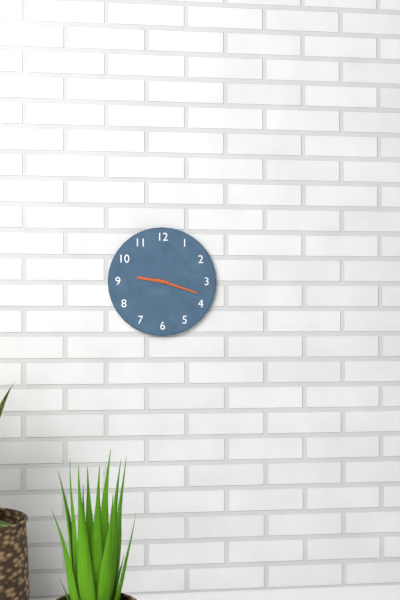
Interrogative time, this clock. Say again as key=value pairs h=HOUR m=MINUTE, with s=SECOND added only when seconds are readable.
h=9 m=18
